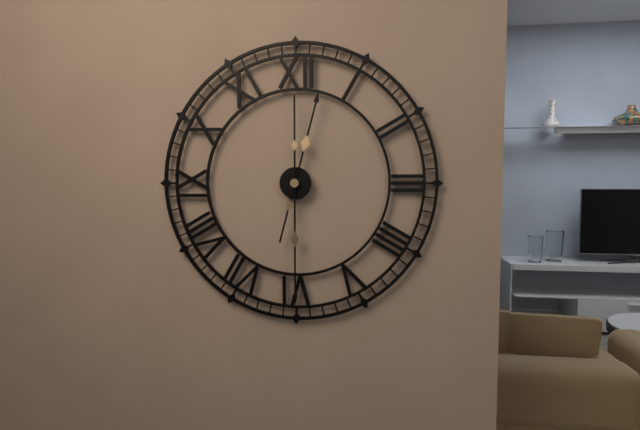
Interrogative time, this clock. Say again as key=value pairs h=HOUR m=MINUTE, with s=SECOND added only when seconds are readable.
h=12 m=30
